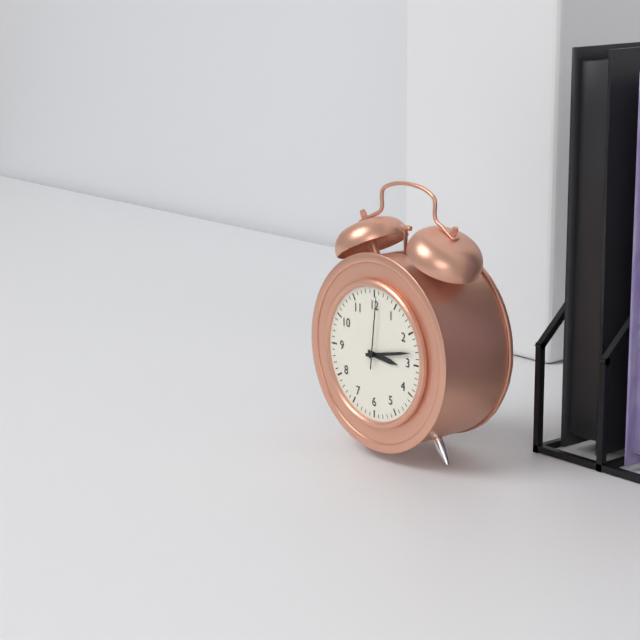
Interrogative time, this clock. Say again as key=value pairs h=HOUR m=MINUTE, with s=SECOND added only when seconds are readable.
h=3 m=13 s=1
